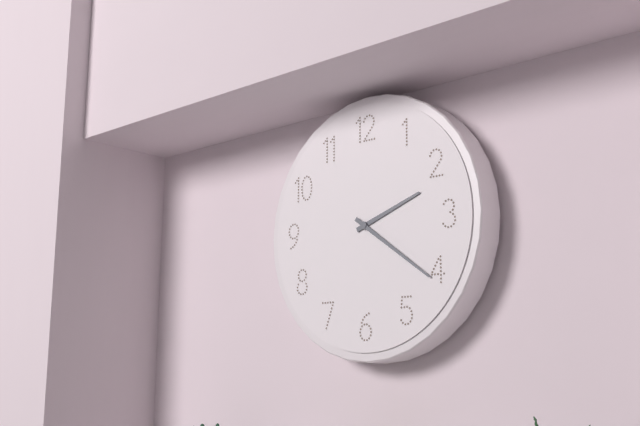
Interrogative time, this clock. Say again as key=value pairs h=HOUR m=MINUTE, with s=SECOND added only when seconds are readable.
h=2 m=21
